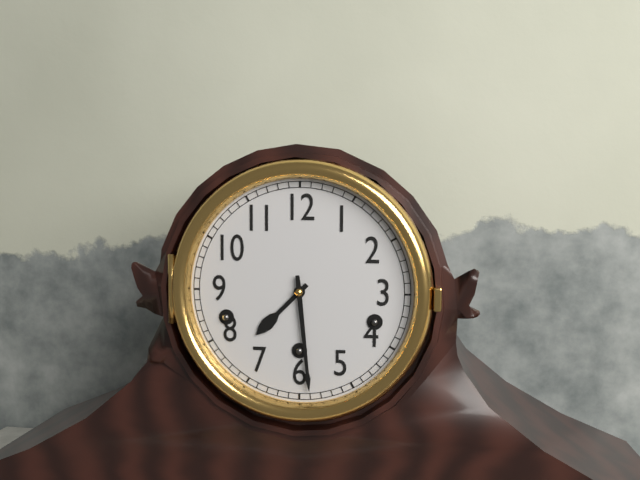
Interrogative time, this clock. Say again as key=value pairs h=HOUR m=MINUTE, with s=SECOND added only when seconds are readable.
h=7 m=29
